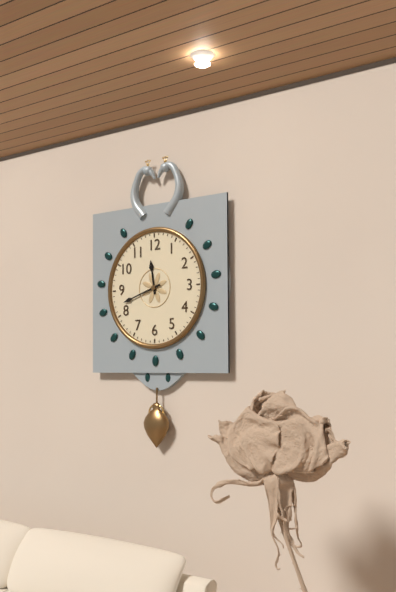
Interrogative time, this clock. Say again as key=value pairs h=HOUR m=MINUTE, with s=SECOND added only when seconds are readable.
h=11 m=42
